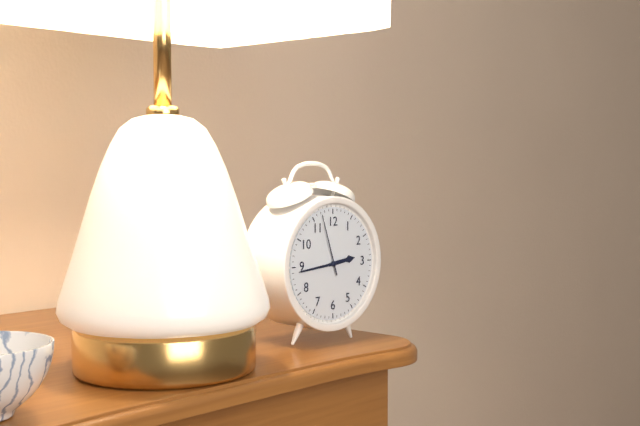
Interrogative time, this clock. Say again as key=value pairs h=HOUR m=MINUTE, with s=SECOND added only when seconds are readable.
h=2 m=44 s=57
